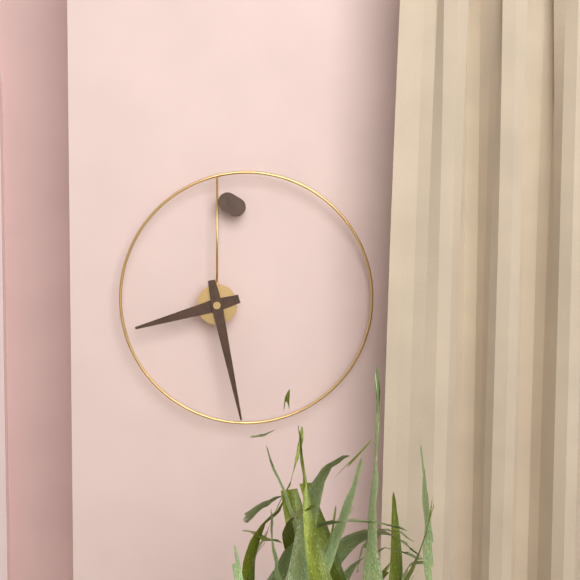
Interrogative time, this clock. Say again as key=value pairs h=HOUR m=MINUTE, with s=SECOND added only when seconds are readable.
h=8 m=28
